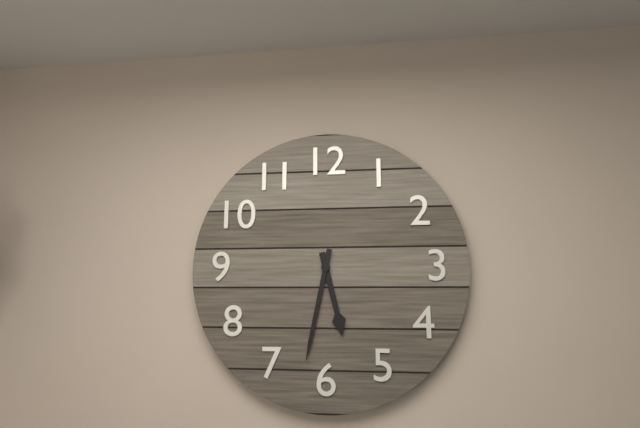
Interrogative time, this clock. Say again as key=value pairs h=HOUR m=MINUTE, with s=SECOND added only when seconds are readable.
h=5 m=32
